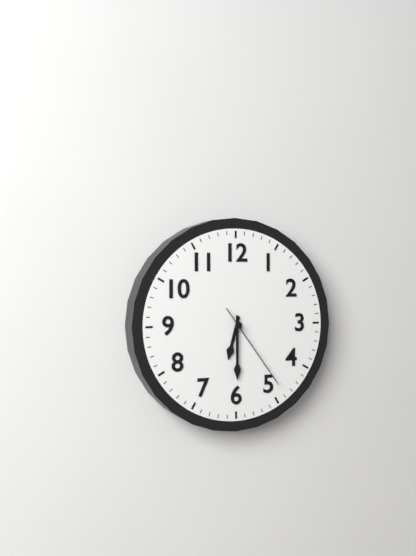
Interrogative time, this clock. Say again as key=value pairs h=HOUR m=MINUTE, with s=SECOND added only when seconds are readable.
h=6 m=30 s=24
